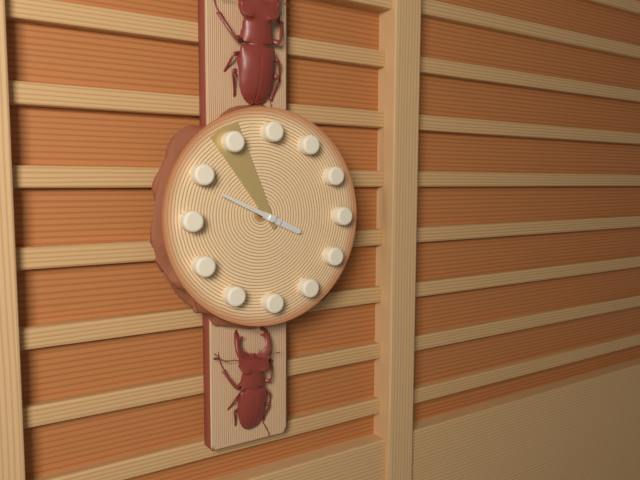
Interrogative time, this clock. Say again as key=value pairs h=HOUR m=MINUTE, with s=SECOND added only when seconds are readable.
h=3 m=49 s=55
